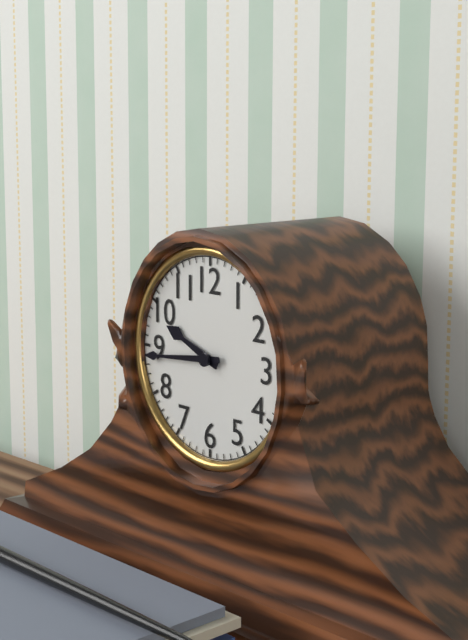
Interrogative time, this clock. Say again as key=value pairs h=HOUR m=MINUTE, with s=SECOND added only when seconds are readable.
h=9 m=44
